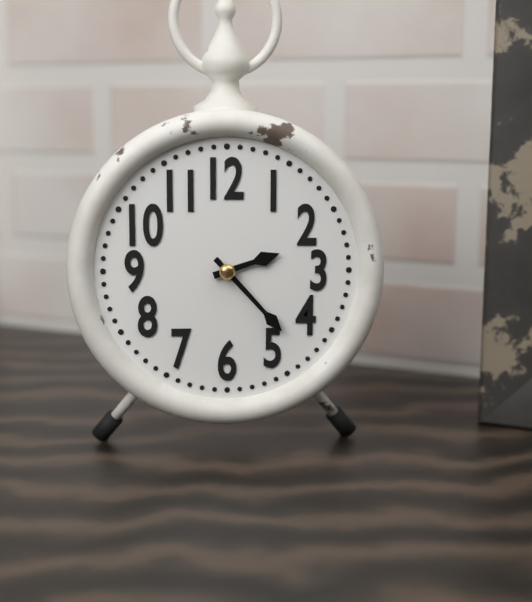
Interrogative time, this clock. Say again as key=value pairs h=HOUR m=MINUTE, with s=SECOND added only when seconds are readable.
h=2 m=23
